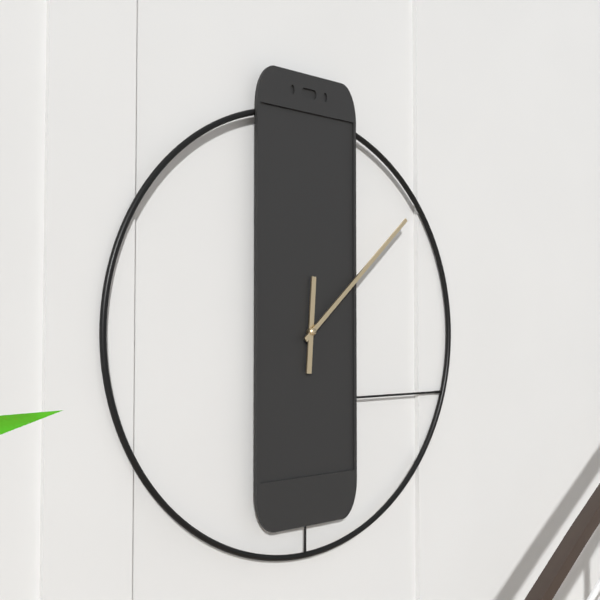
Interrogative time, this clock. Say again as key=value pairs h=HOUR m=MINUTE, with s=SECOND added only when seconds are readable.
h=12 m=8
